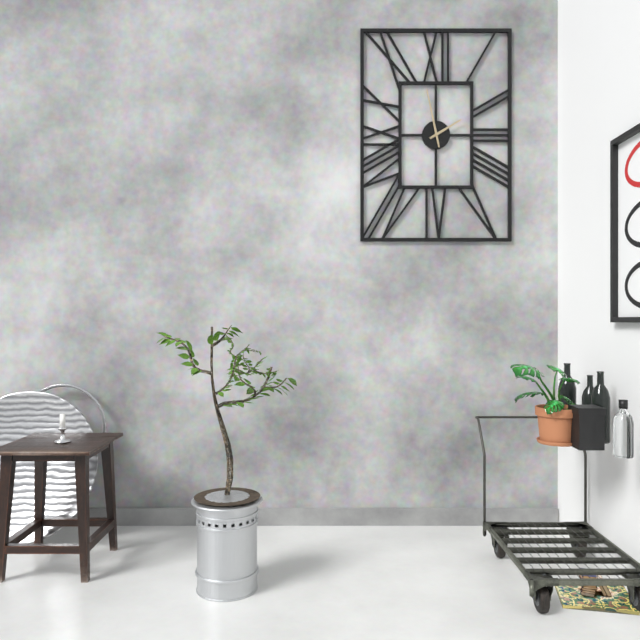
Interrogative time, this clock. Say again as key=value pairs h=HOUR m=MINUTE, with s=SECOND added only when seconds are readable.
h=1 m=58
